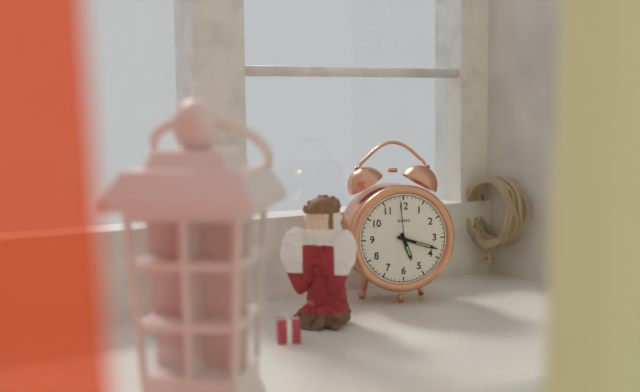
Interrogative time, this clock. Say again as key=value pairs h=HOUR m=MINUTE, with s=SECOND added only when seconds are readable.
h=5 m=18
